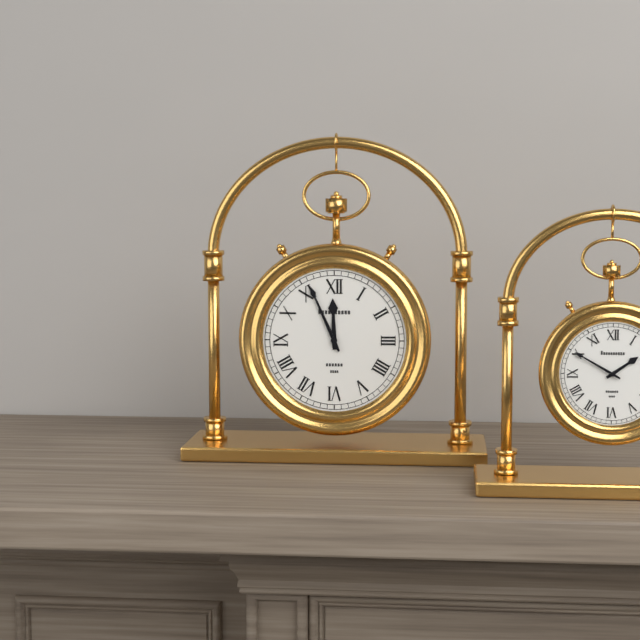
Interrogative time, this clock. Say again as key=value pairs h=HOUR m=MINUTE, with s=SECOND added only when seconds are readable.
h=11 m=56
